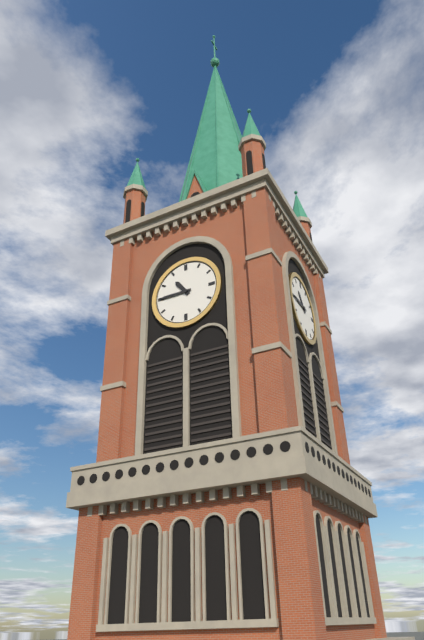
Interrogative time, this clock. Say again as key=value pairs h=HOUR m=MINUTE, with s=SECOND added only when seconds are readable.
h=10 m=45
